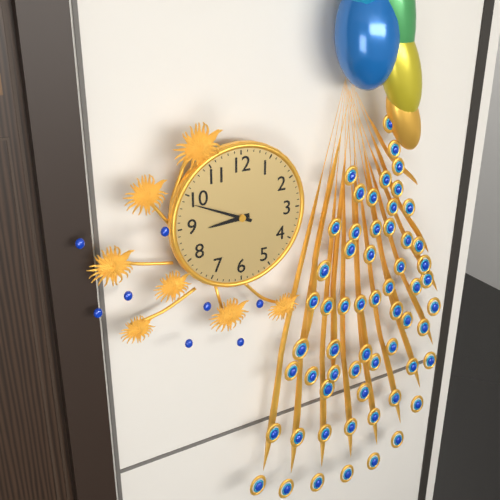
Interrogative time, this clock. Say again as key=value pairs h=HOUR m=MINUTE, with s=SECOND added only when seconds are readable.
h=8 m=49
